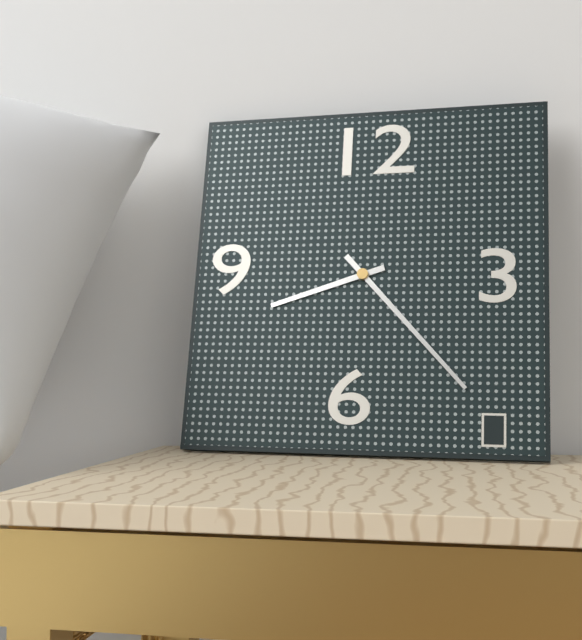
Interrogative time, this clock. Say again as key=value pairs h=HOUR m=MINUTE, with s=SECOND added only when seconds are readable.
h=8 m=23
